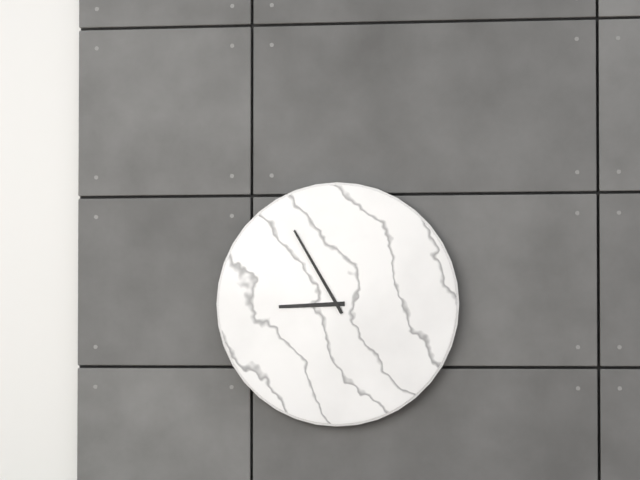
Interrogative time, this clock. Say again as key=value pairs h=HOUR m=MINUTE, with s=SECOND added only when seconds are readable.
h=8 m=55
